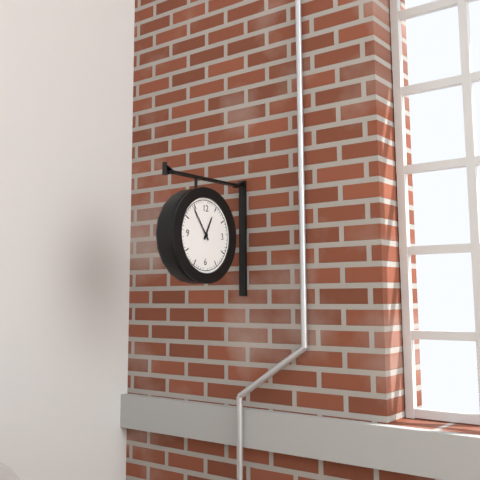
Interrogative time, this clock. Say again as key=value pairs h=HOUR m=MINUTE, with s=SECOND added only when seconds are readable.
h=12 m=54
